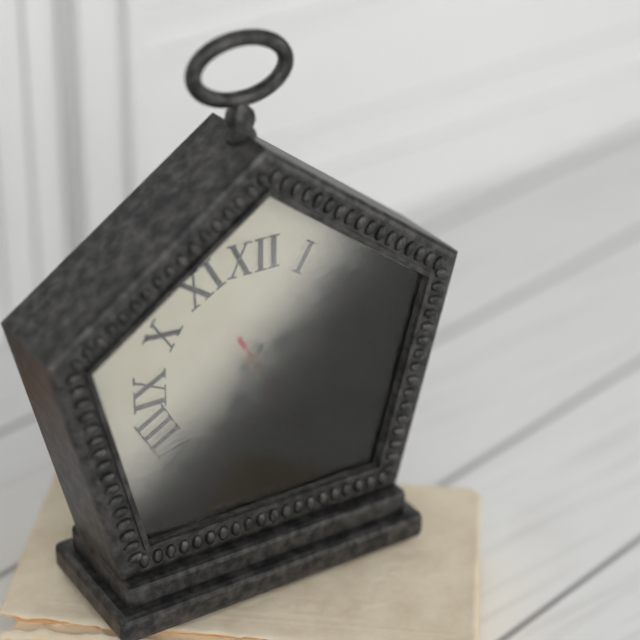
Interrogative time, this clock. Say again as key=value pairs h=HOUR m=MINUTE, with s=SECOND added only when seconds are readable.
h=2 m=33 s=25
